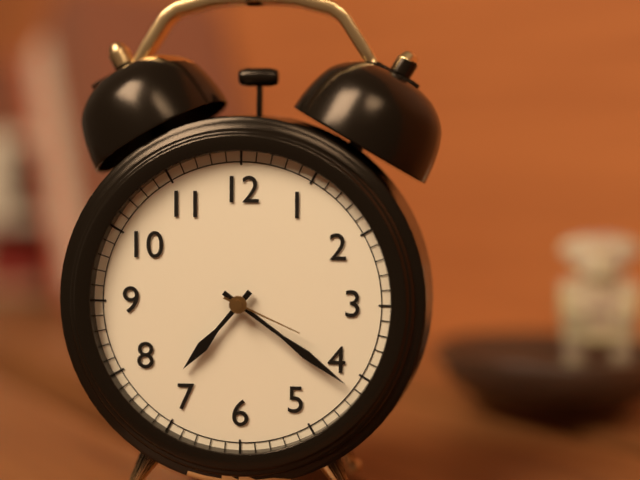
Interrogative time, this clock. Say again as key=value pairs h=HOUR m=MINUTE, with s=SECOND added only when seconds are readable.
h=7 m=21 s=19
